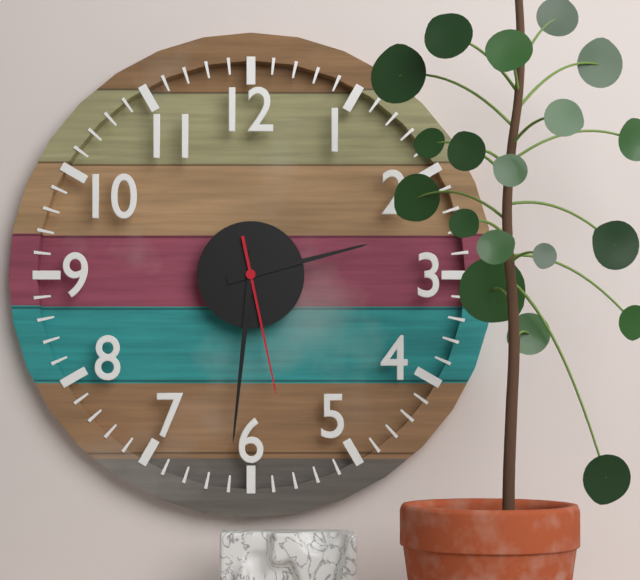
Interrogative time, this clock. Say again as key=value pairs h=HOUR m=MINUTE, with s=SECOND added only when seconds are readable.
h=2 m=31 s=28
